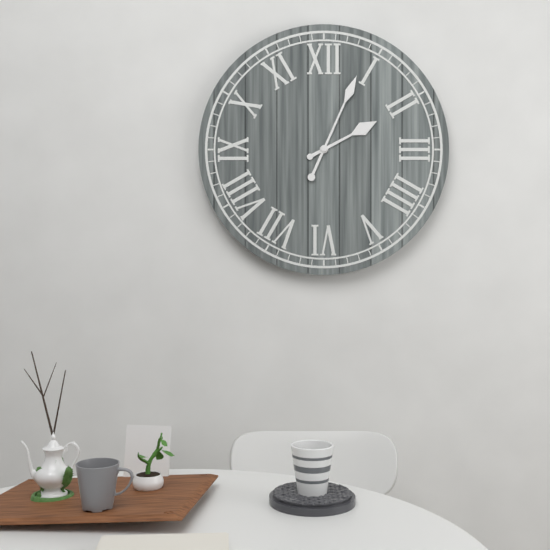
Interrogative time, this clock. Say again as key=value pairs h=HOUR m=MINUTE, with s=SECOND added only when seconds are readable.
h=2 m=4
